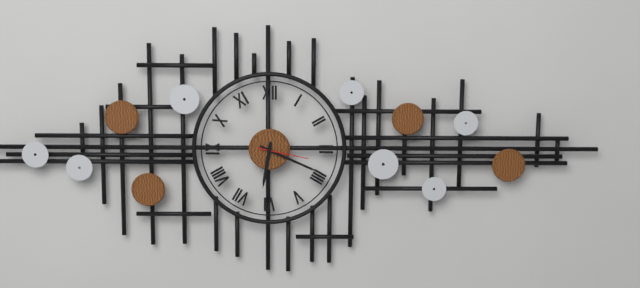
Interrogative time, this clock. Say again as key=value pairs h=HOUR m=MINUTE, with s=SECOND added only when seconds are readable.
h=6 m=19 s=17
